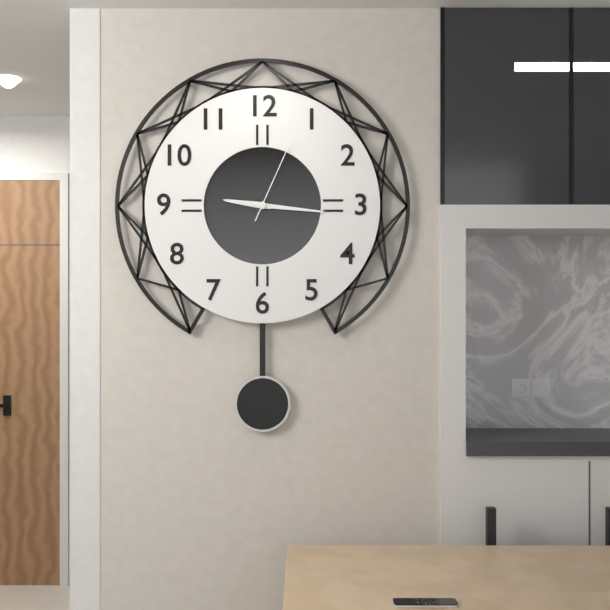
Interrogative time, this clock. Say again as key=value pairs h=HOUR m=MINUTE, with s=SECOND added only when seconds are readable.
h=9 m=16 s=4
